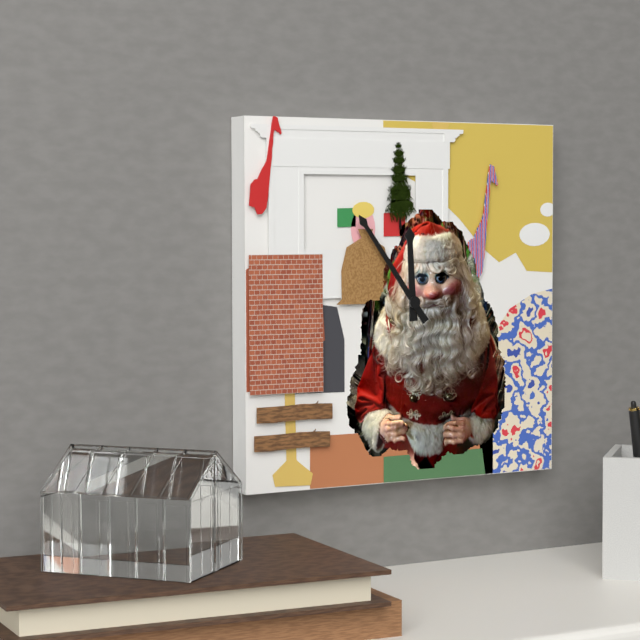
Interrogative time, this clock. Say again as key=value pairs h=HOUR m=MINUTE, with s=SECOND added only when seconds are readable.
h=11 m=54
